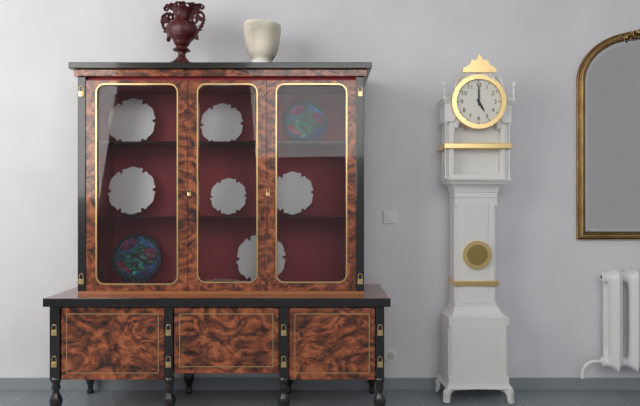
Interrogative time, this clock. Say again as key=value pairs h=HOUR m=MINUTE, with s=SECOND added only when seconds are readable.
h=5 m=0
